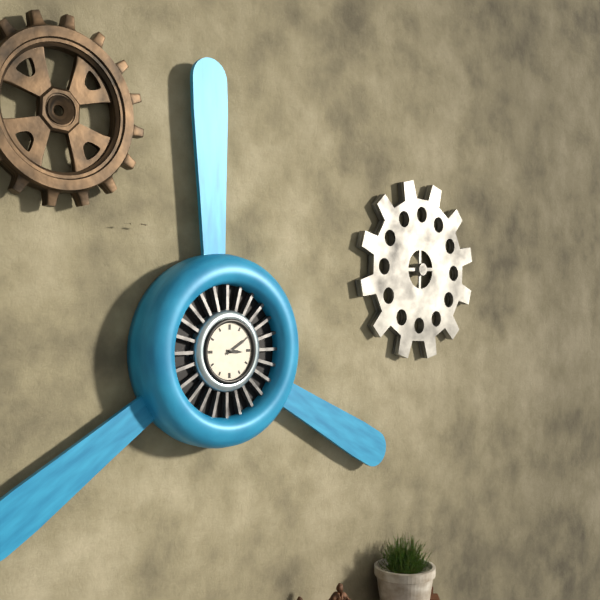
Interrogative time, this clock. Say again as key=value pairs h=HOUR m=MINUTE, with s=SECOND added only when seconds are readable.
h=3 m=10
